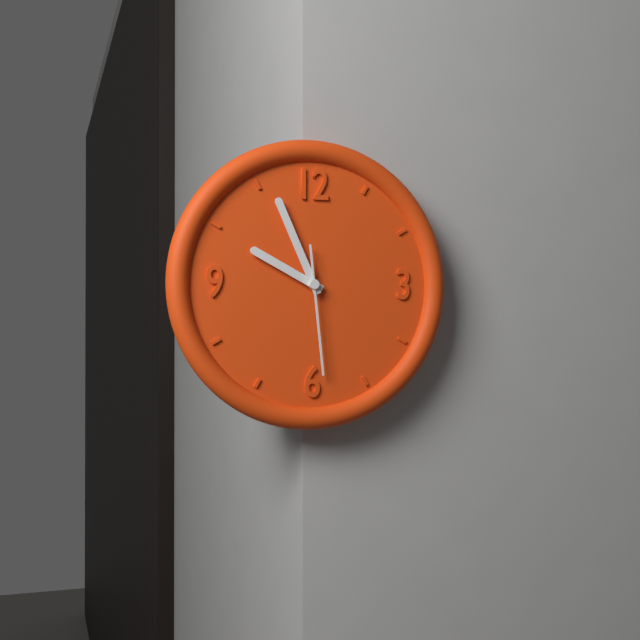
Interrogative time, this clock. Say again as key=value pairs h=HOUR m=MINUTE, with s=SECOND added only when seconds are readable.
h=9 m=56 s=29
